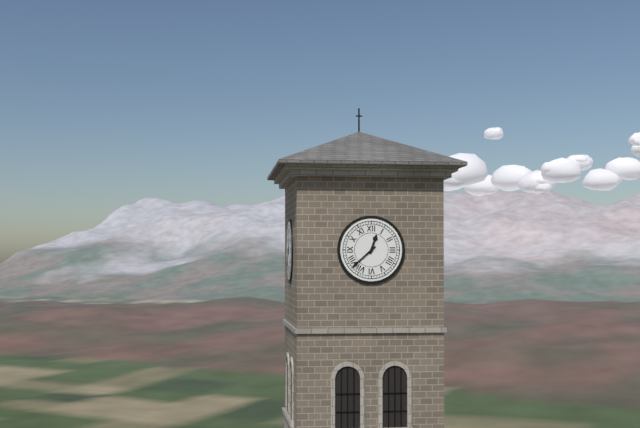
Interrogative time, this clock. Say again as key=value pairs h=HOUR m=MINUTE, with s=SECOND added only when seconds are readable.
h=12 m=38
